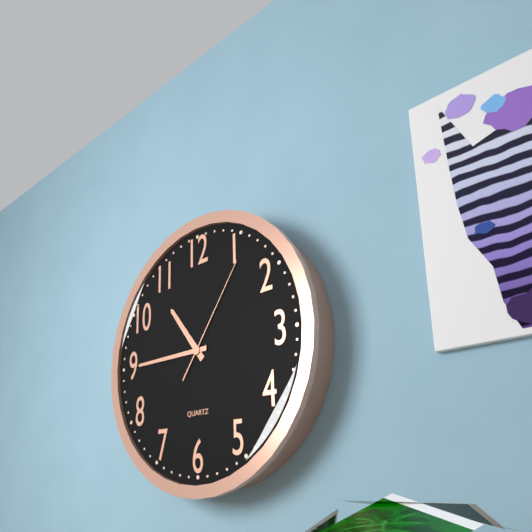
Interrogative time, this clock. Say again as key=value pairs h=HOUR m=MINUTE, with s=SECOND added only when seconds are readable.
h=10 m=45 s=6
